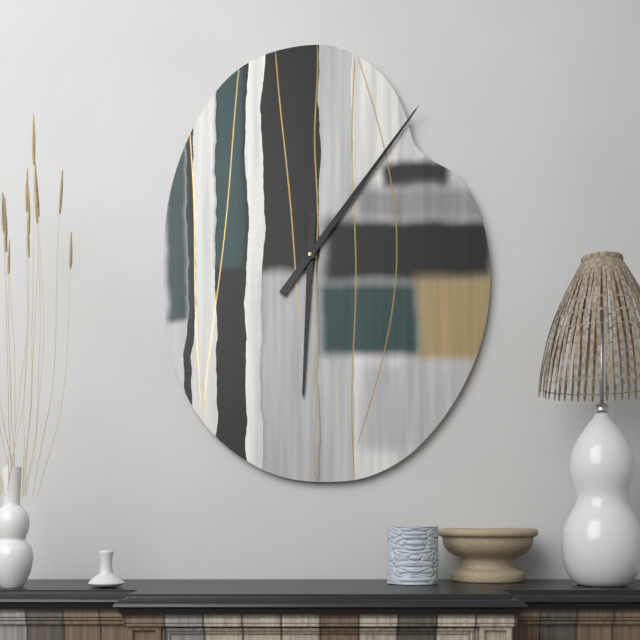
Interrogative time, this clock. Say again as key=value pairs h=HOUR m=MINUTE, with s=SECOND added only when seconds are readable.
h=6 m=6
